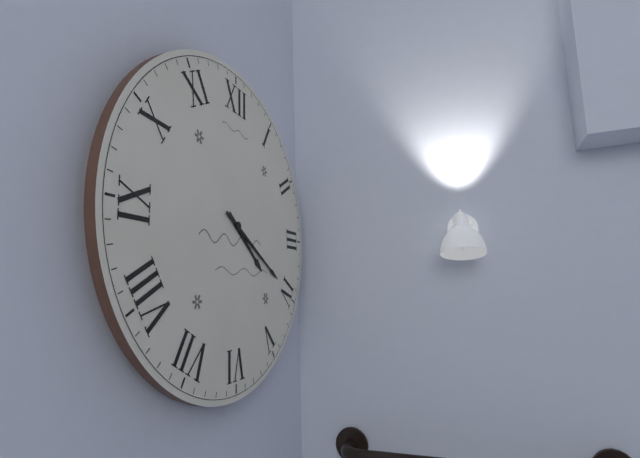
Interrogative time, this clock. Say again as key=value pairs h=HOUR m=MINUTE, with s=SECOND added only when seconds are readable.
h=4 m=20
